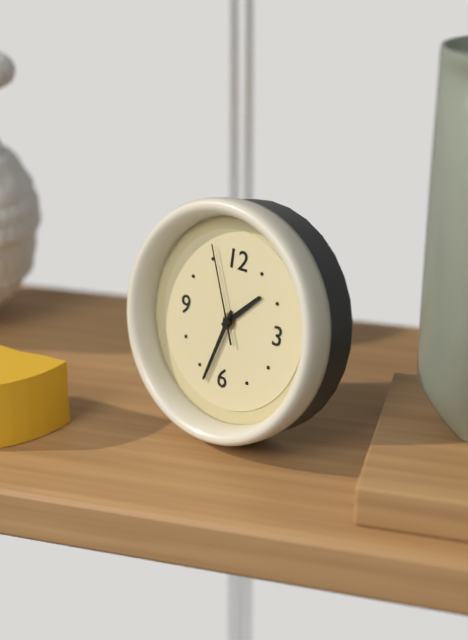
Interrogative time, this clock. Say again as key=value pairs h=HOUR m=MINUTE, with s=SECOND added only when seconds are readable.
h=1 m=33 s=56
